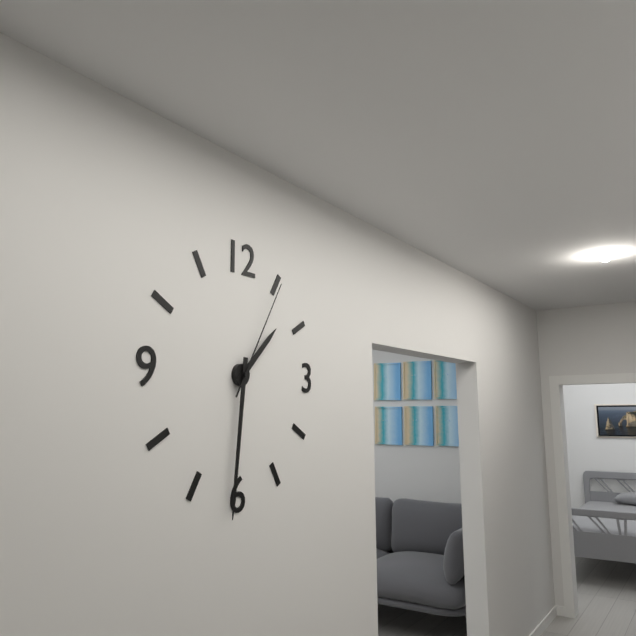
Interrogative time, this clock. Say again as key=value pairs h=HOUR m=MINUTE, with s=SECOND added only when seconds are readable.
h=1 m=31 s=5
